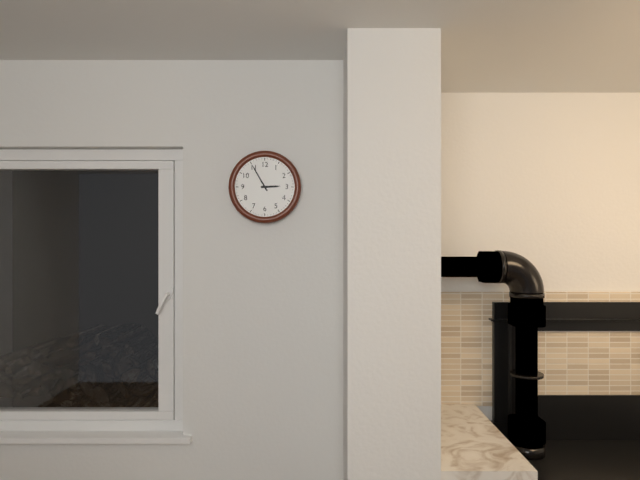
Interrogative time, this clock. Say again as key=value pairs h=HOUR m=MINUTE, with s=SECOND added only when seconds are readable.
h=2 m=55
